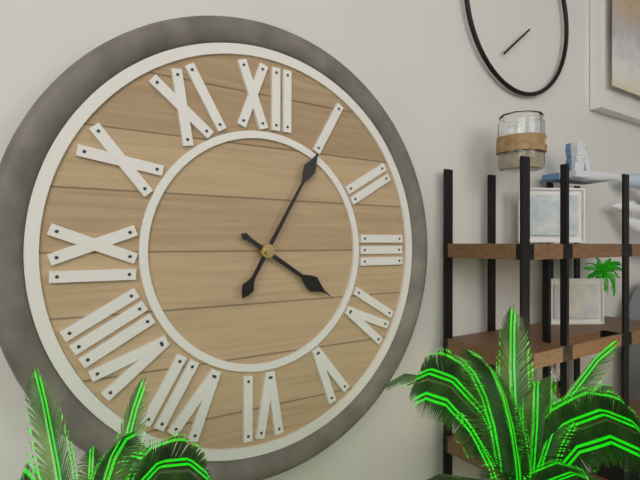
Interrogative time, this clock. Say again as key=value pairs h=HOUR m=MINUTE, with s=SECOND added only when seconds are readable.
h=4 m=5
